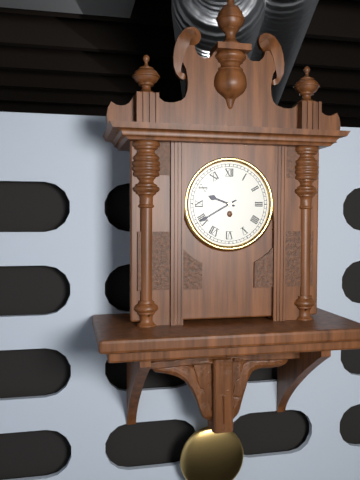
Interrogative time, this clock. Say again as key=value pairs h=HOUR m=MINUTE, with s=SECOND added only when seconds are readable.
h=9 m=40
